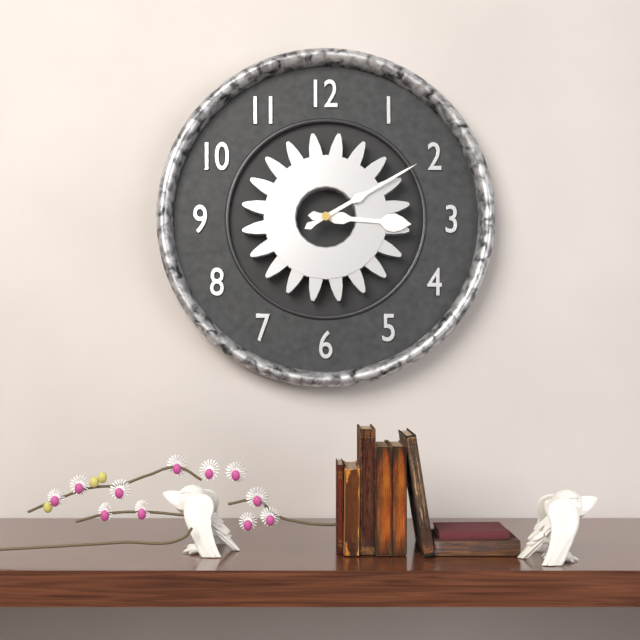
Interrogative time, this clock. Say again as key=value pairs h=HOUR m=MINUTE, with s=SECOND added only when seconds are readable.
h=3 m=10
